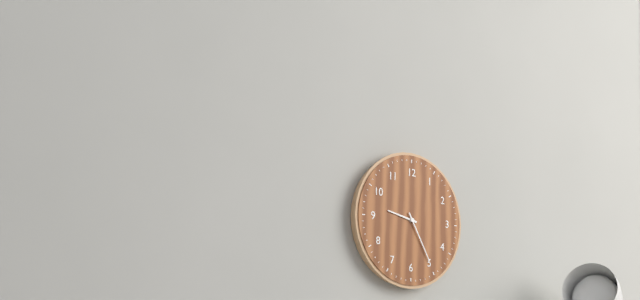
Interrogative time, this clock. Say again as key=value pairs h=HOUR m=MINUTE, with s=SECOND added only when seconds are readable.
h=9 m=25
